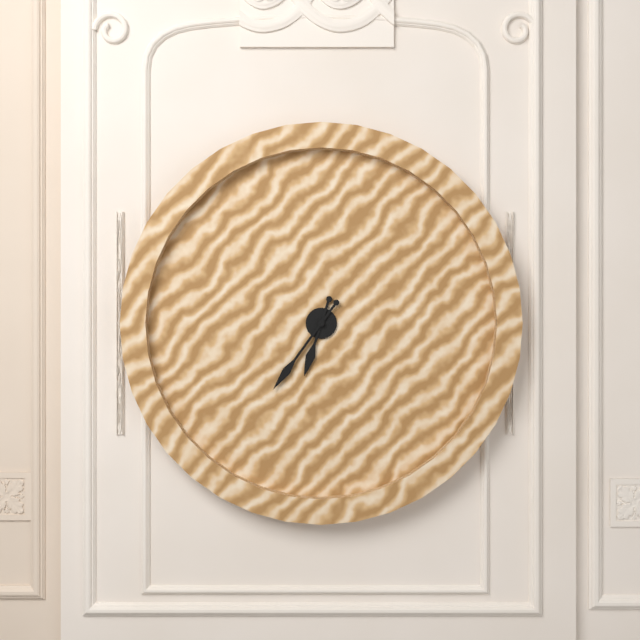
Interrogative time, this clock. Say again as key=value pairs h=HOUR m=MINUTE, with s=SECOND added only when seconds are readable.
h=6 m=36
